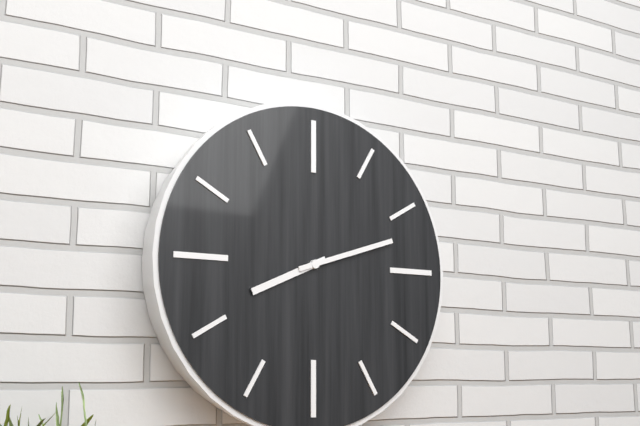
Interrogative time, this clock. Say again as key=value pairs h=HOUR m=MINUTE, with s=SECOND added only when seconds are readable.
h=8 m=12
